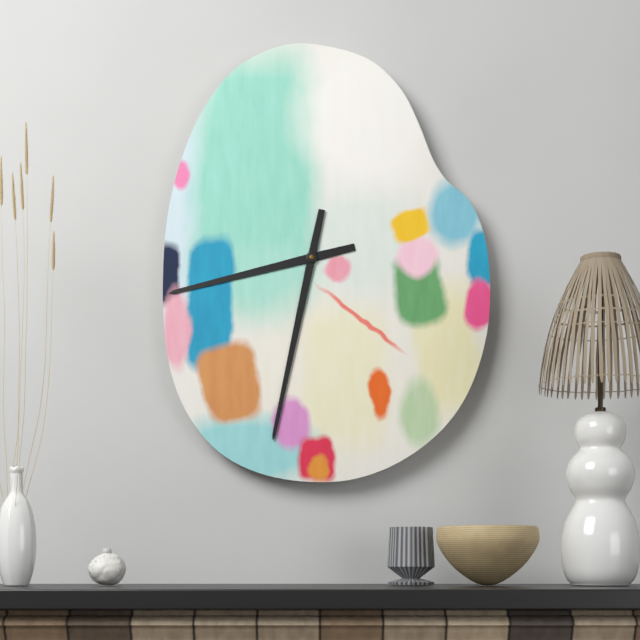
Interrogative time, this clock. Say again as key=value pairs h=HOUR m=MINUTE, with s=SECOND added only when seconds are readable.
h=8 m=32
